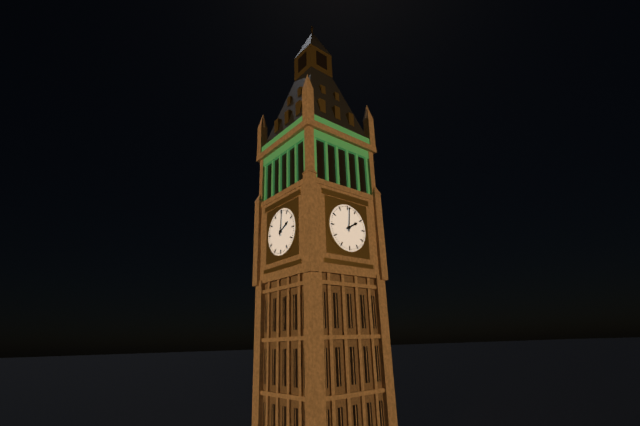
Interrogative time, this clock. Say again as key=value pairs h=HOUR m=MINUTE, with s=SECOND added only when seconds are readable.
h=2 m=1
